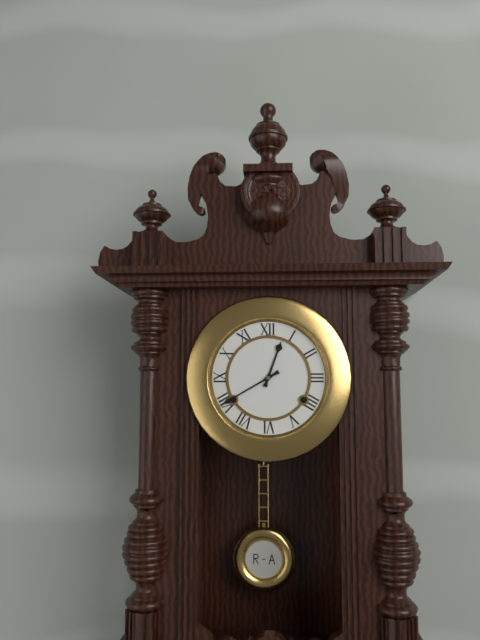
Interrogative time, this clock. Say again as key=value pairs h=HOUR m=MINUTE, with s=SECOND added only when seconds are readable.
h=12 m=40
